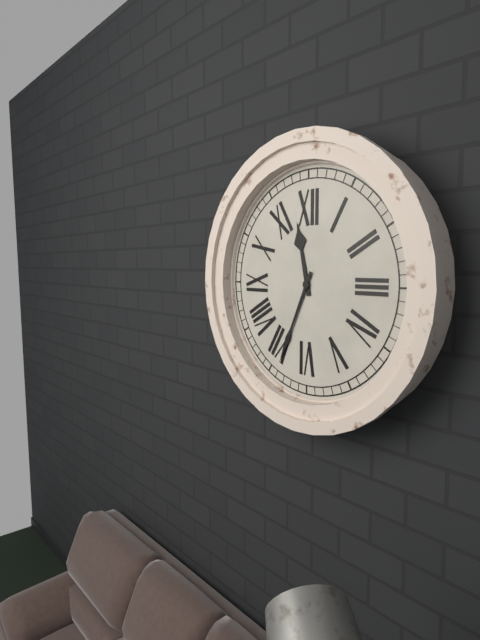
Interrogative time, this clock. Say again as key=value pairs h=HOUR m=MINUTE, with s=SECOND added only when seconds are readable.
h=11 m=34
